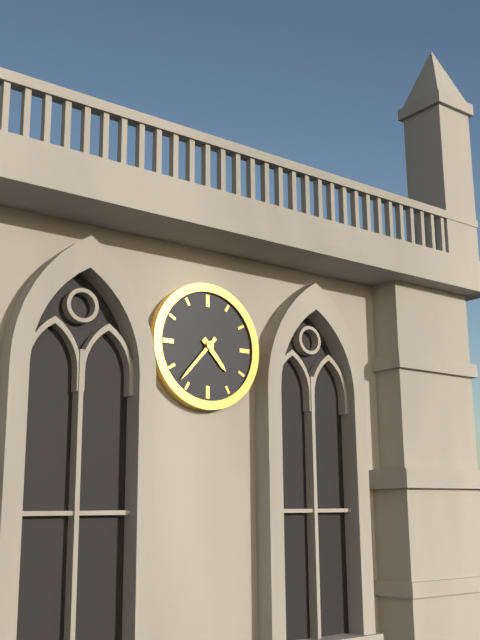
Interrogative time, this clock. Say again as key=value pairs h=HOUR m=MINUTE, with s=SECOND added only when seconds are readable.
h=4 m=37
